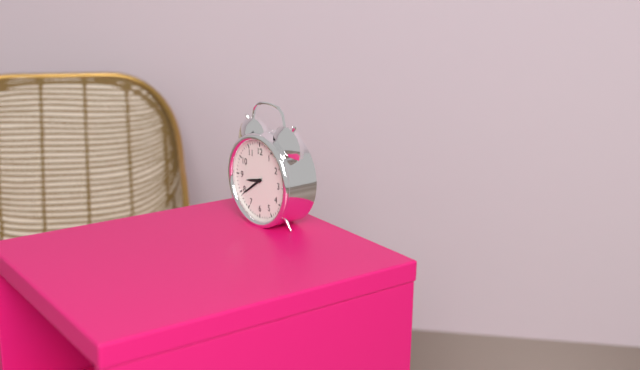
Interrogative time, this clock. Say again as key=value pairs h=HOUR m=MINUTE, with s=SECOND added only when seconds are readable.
h=8 m=39
